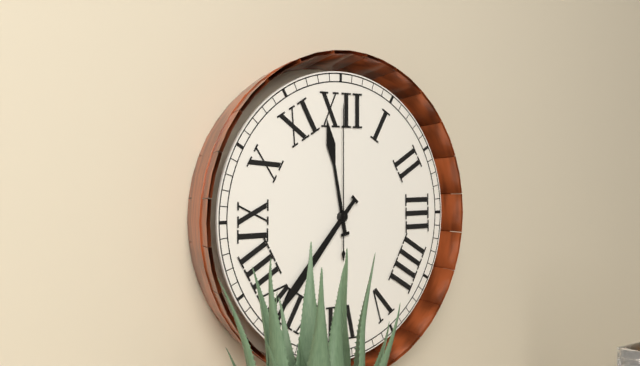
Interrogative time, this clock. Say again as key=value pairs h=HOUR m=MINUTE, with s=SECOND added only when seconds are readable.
h=11 m=37 s=0
